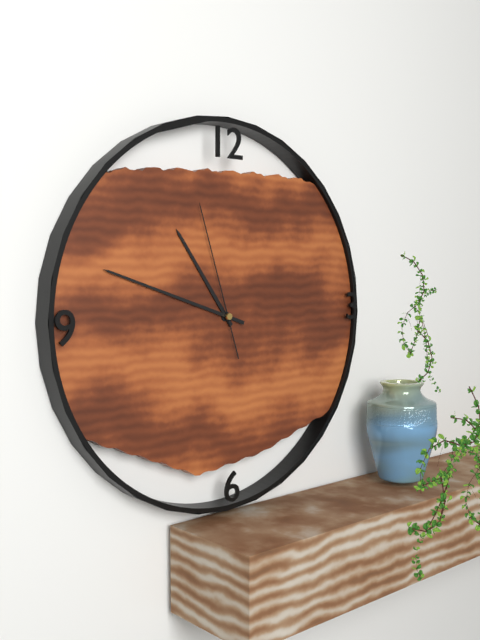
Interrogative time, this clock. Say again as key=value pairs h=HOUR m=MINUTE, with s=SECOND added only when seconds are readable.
h=10 m=48 s=57
